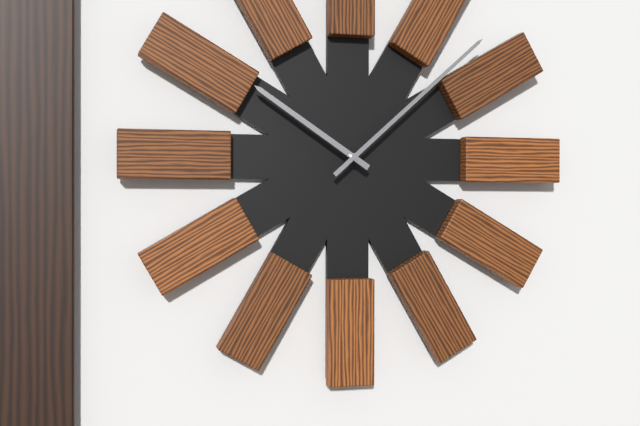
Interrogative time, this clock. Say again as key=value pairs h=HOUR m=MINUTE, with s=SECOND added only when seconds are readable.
h=10 m=8
